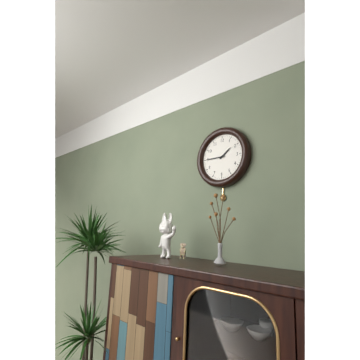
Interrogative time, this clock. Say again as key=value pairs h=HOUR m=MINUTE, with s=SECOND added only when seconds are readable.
h=1 m=45
